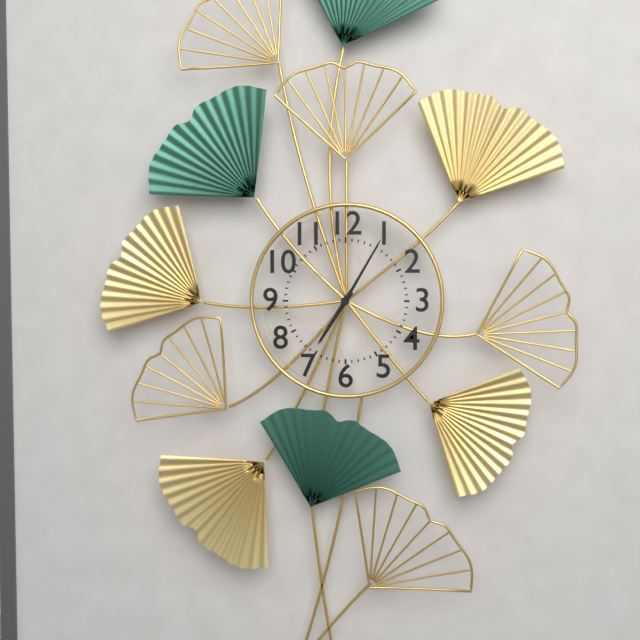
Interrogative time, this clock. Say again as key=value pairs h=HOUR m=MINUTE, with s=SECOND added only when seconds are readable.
h=7 m=5
